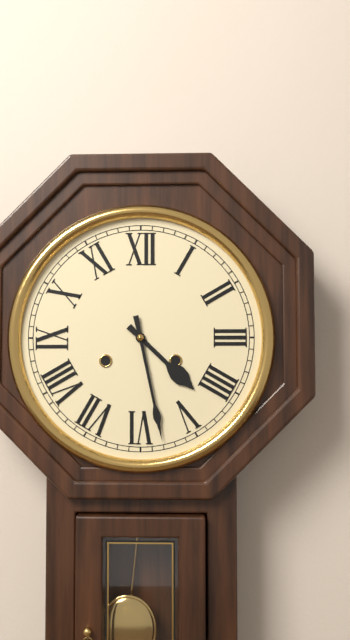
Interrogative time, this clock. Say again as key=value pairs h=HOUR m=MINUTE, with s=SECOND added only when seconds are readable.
h=4 m=28
